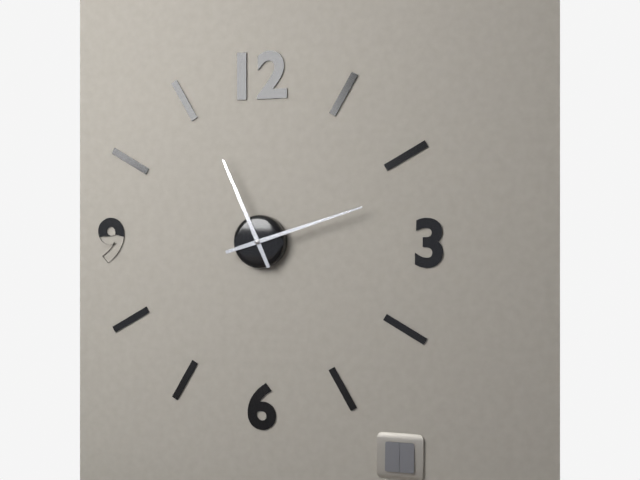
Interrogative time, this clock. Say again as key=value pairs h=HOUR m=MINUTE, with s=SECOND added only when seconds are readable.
h=11 m=12
